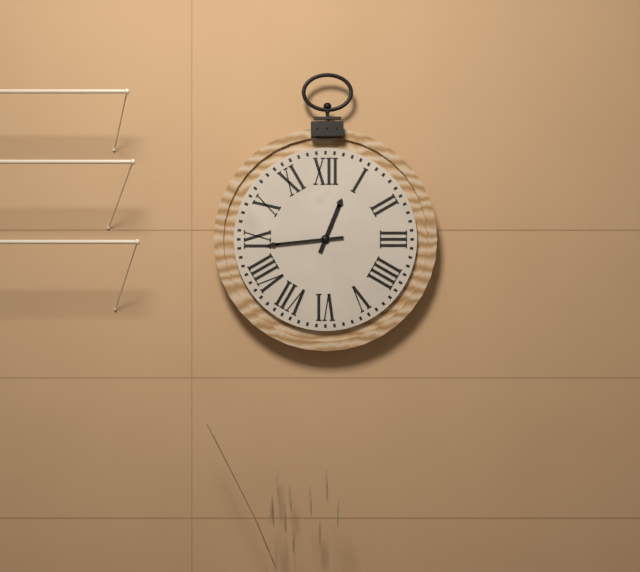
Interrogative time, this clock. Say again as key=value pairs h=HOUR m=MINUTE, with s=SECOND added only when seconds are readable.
h=12 m=44
